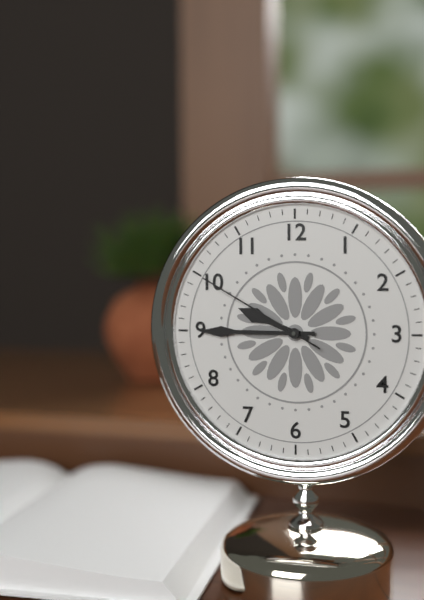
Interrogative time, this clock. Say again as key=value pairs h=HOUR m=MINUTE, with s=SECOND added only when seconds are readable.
h=9 m=45 s=50
